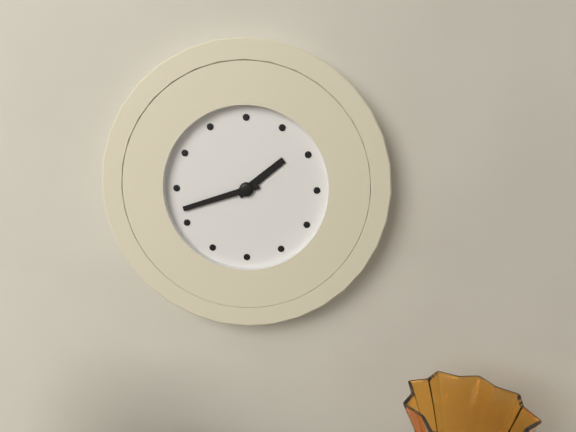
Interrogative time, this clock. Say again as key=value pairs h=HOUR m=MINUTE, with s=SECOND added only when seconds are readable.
h=1 m=42
